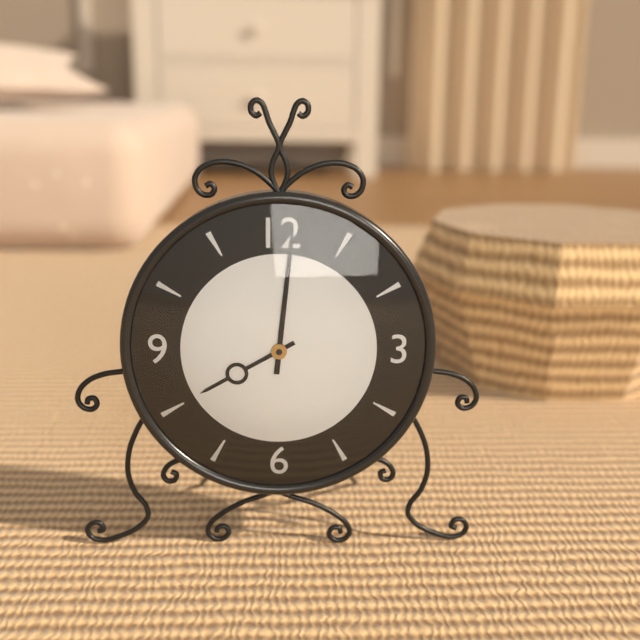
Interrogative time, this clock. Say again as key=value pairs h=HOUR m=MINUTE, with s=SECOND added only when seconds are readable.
h=8 m=1
